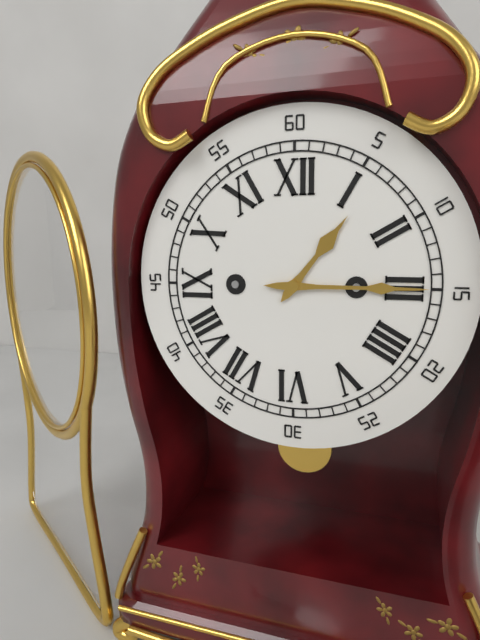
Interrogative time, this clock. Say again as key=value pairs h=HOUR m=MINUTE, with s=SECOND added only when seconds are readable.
h=1 m=15
